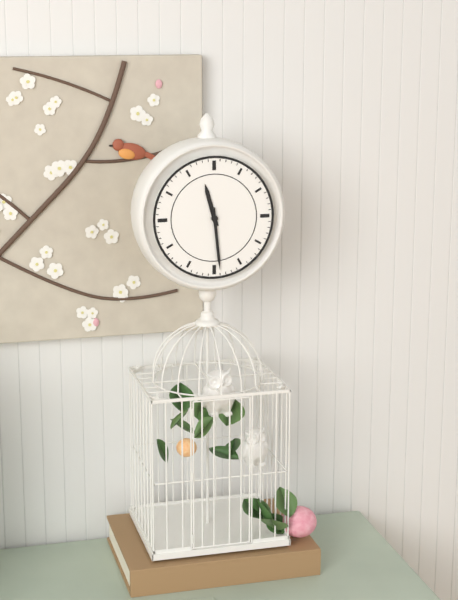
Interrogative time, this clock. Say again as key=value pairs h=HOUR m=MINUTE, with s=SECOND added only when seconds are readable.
h=11 m=29
